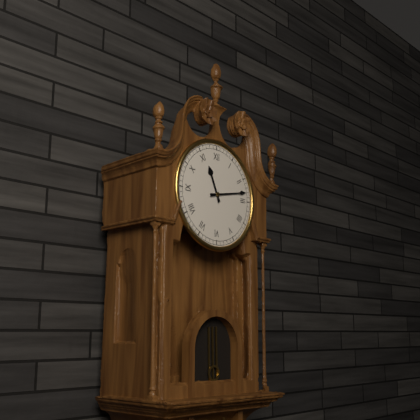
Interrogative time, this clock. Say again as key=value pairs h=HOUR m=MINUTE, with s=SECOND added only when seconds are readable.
h=11 m=13
